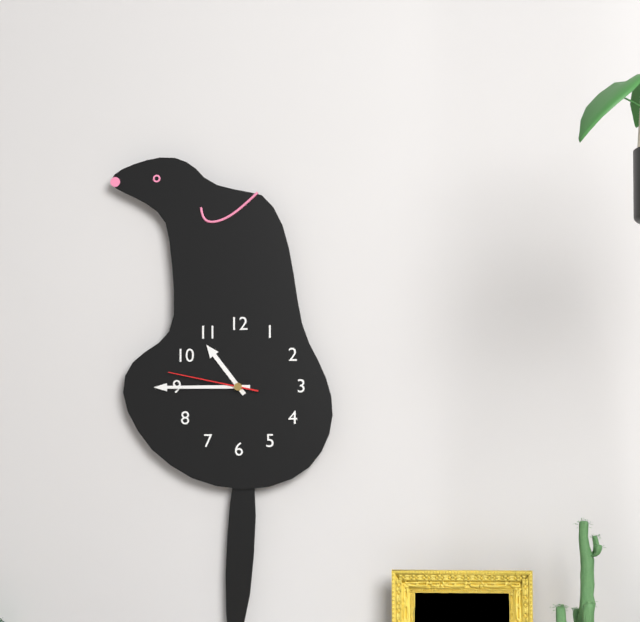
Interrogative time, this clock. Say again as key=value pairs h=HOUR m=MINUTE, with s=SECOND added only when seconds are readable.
h=10 m=45 s=47
